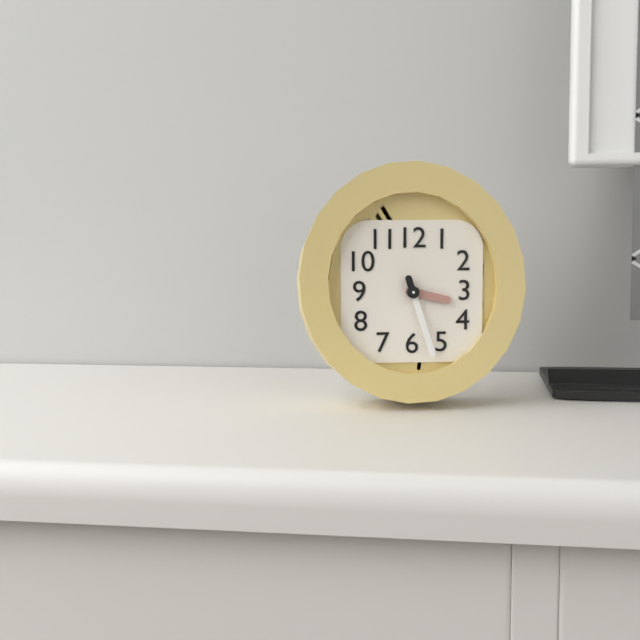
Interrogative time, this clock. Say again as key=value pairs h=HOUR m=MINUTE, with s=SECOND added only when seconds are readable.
h=3 m=27
